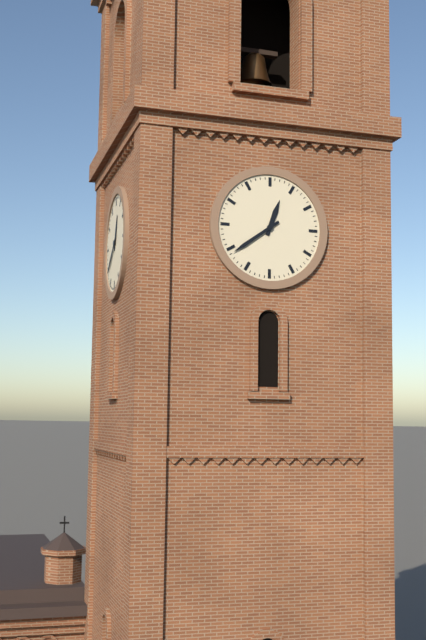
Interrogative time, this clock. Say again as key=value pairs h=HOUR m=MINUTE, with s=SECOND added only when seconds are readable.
h=12 m=39
